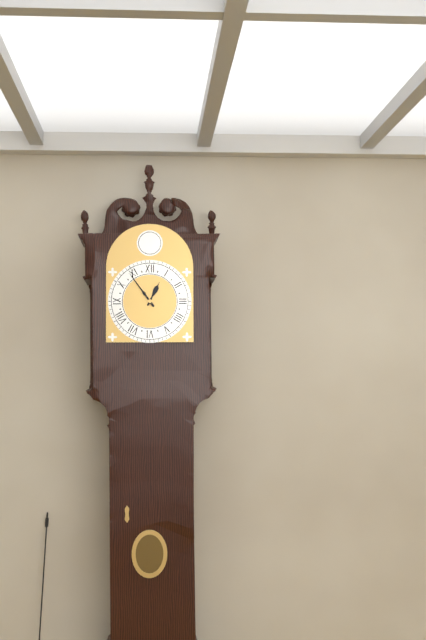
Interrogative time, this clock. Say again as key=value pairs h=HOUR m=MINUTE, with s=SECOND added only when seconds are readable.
h=12 m=54
